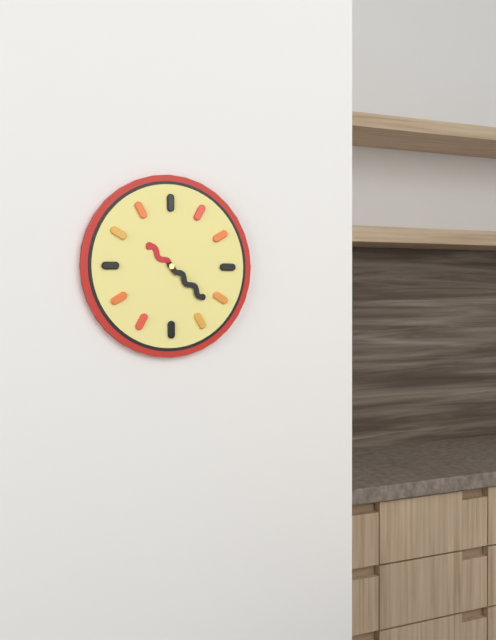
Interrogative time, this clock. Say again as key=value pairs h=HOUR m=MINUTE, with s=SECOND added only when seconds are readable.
h=10 m=22
